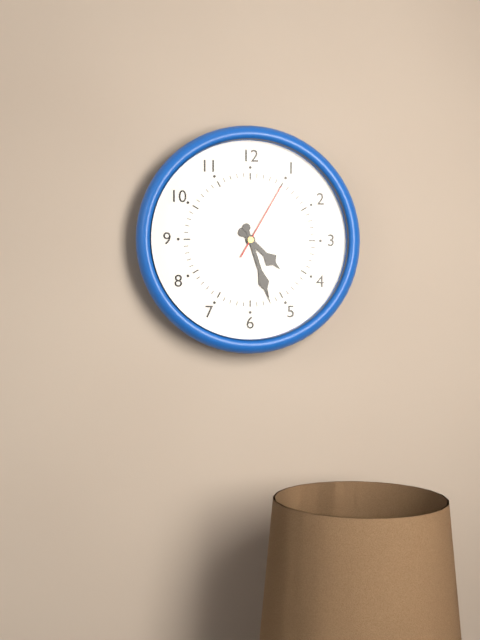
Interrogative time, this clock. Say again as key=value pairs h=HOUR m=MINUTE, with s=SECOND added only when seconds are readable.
h=4 m=27 s=5
